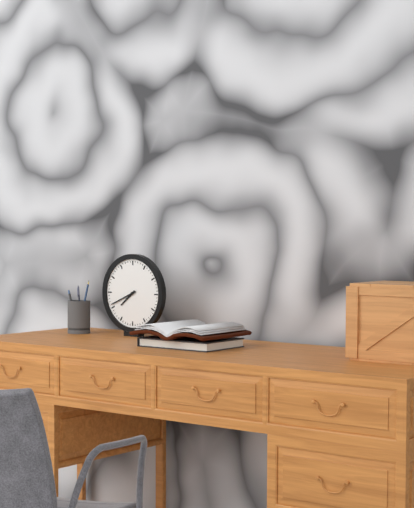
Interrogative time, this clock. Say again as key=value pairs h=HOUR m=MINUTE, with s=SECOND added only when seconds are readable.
h=7 m=41
